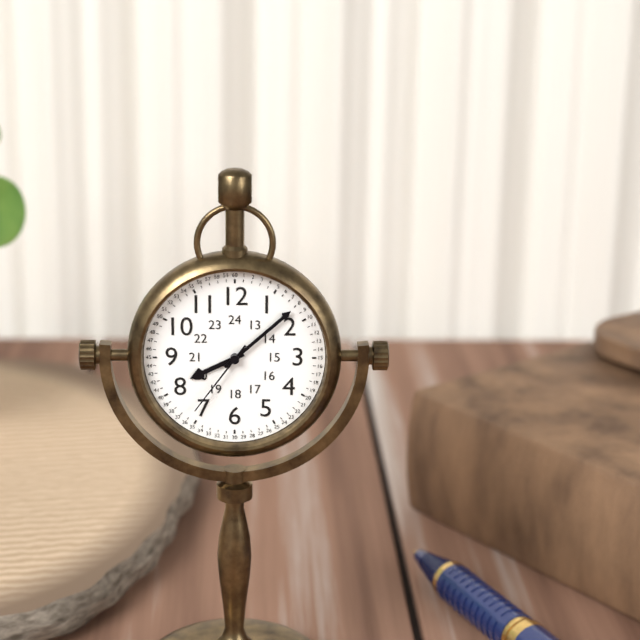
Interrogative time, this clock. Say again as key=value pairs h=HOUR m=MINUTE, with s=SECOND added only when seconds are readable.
h=8 m=8 s=36
